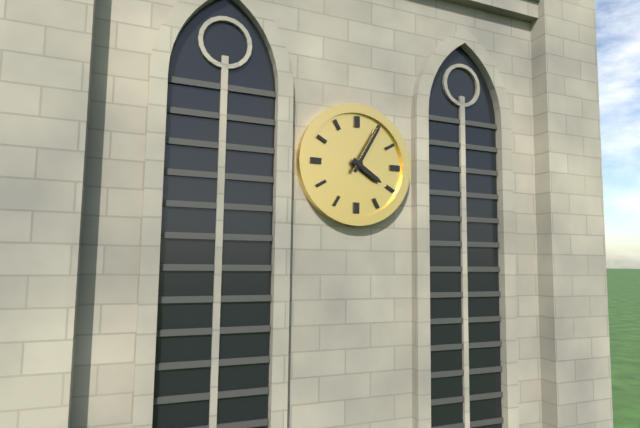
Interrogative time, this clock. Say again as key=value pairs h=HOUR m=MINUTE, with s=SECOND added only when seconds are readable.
h=4 m=5
